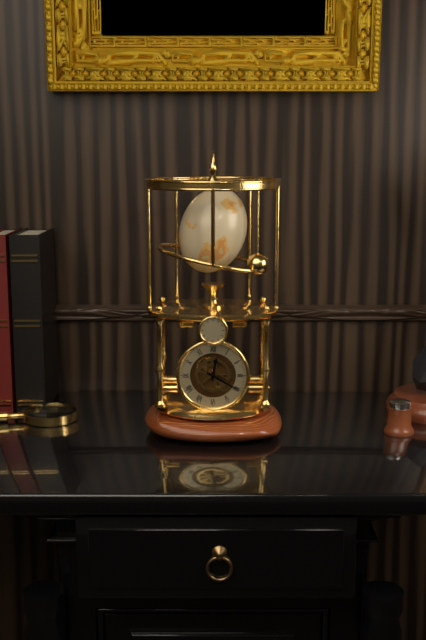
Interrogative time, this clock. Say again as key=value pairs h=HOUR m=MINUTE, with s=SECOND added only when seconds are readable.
h=12 m=20
